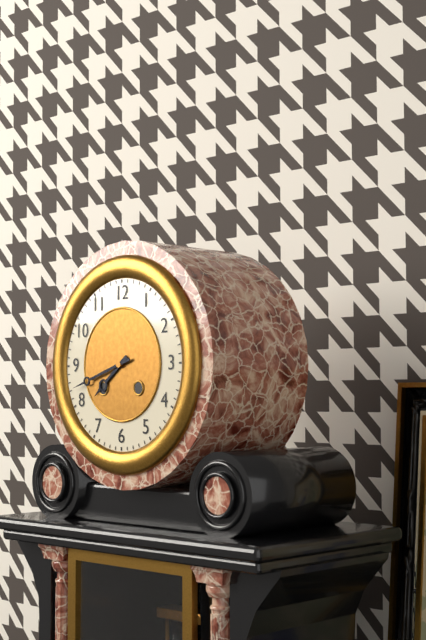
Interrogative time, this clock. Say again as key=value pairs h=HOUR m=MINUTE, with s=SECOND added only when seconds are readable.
h=7 m=42
